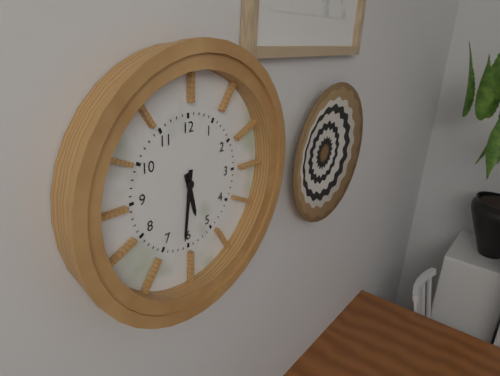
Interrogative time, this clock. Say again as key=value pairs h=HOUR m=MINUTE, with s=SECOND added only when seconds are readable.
h=5 m=31
